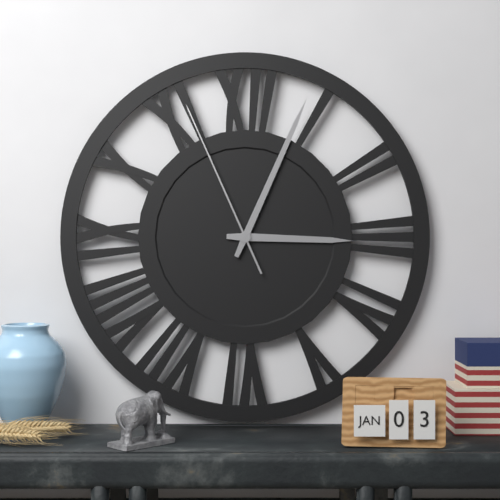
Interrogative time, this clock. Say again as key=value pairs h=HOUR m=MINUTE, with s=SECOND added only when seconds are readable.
h=3 m=4 s=56
